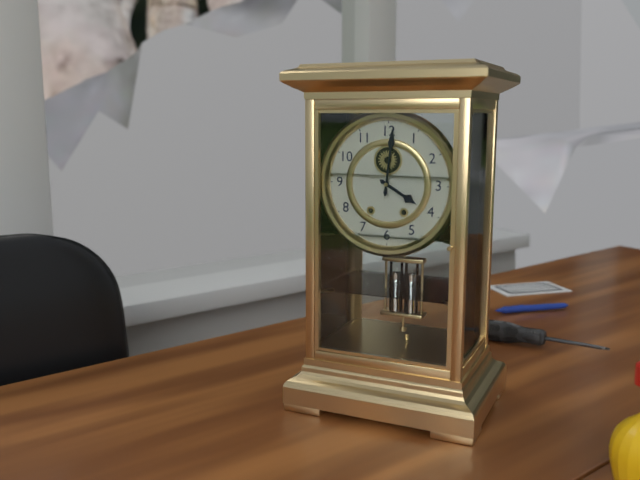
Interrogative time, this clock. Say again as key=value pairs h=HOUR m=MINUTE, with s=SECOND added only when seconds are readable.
h=4 m=1
